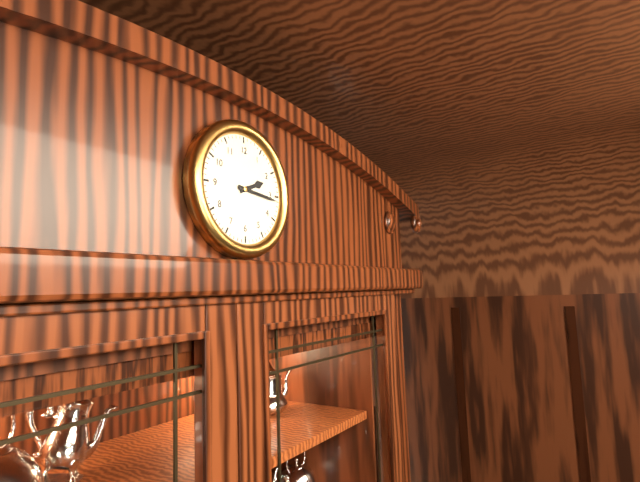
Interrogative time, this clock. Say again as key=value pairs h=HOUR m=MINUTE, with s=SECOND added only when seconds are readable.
h=2 m=16
